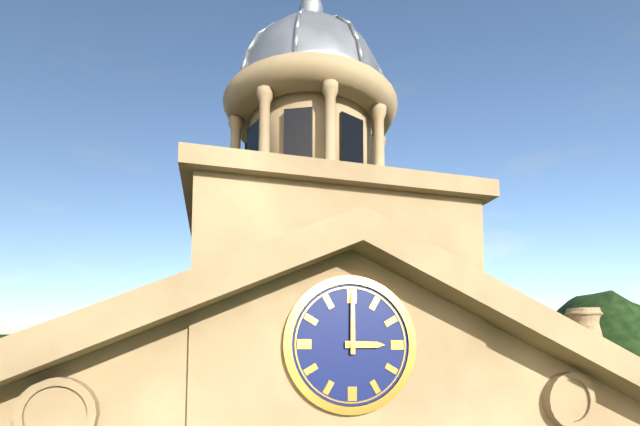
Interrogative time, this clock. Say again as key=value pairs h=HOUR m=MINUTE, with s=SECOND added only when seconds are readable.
h=3 m=0
